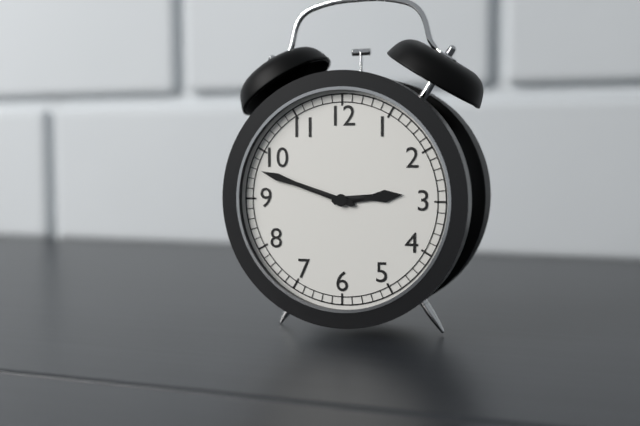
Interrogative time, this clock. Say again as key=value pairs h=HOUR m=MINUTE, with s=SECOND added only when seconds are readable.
h=2 m=48
